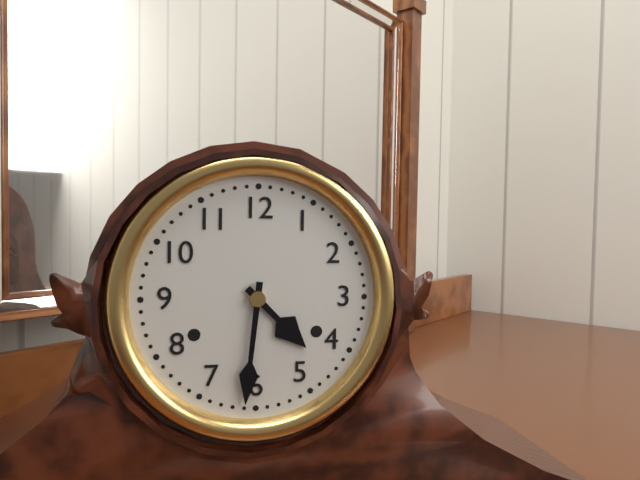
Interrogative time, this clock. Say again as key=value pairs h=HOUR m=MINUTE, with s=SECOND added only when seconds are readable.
h=4 m=31
